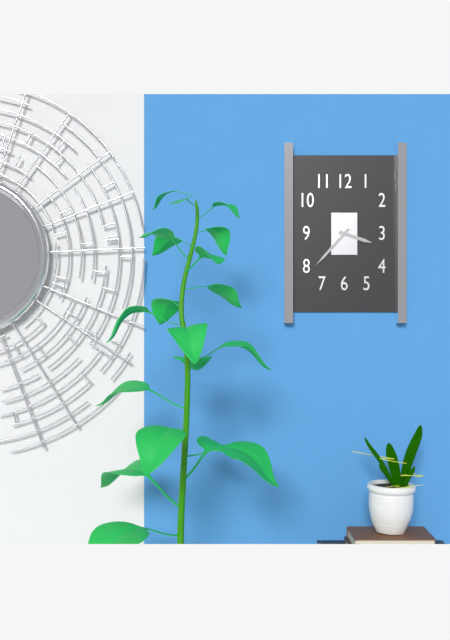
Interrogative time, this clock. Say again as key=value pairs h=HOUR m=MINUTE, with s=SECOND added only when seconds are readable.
h=3 m=37
